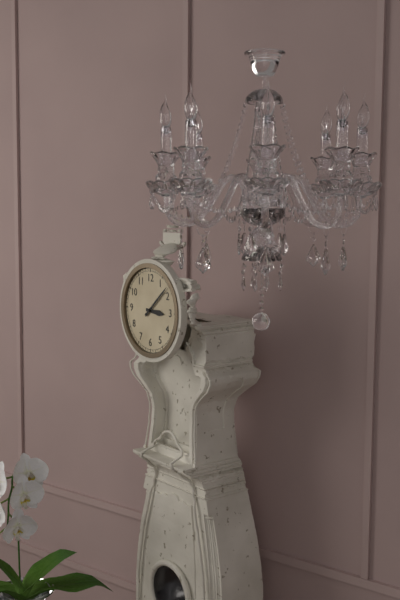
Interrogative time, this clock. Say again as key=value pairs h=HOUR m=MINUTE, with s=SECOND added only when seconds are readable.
h=3 m=8
